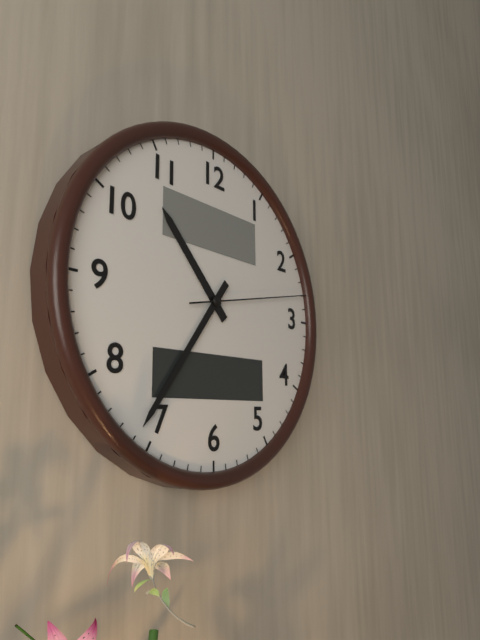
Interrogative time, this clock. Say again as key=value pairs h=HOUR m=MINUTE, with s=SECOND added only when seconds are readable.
h=10 m=36 s=13
